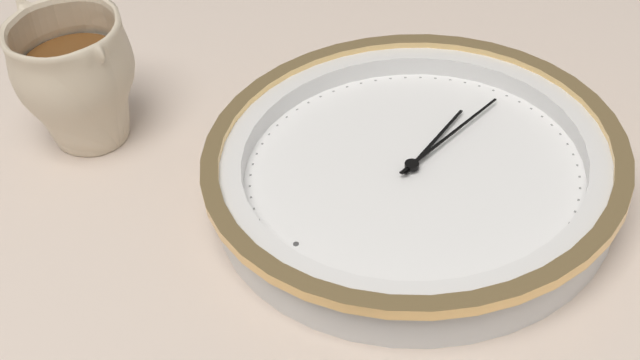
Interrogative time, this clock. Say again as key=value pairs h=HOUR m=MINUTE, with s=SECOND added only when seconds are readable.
h=5 m=29
